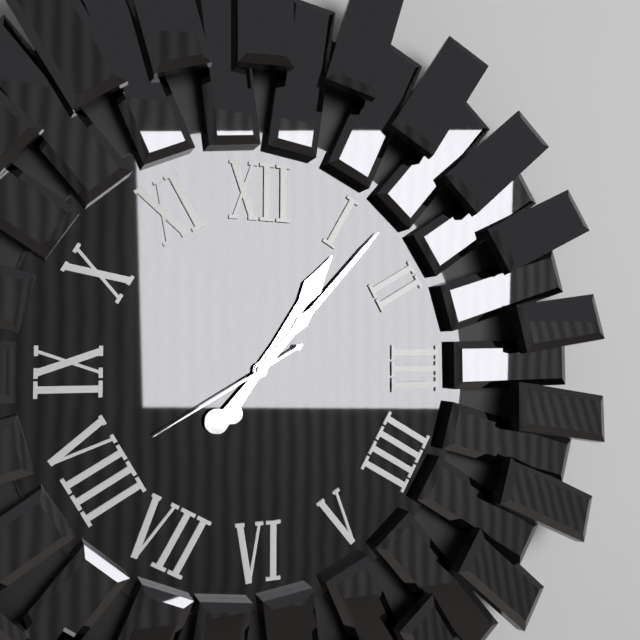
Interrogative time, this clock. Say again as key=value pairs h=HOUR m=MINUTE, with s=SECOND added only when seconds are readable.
h=1 m=7 s=40
